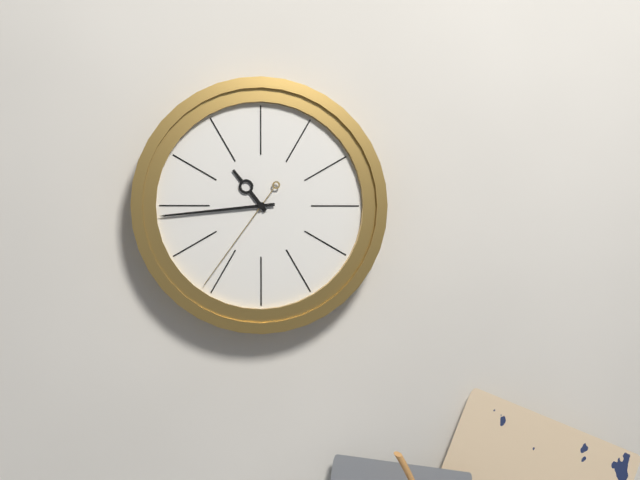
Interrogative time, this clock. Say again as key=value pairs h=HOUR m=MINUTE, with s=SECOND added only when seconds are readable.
h=10 m=44 s=36
